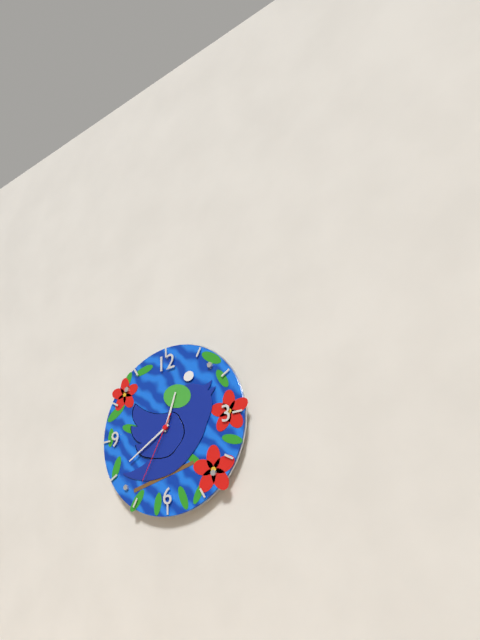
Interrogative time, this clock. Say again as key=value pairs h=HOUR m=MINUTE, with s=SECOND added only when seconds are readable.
h=12 m=40 s=35
